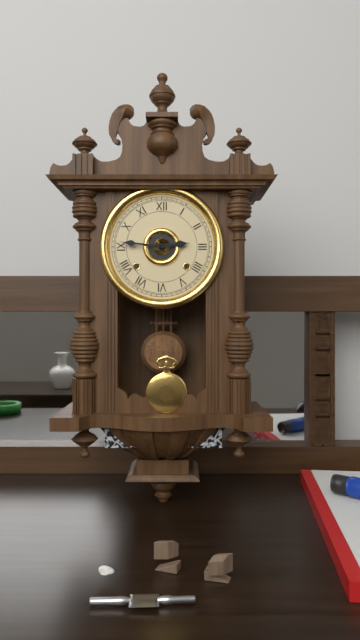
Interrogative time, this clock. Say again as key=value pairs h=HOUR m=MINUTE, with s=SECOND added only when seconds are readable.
h=2 m=46
